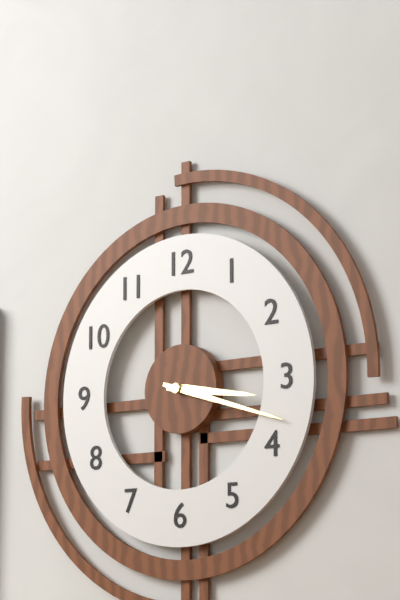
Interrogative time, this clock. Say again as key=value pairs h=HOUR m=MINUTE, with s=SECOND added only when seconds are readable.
h=3 m=18
